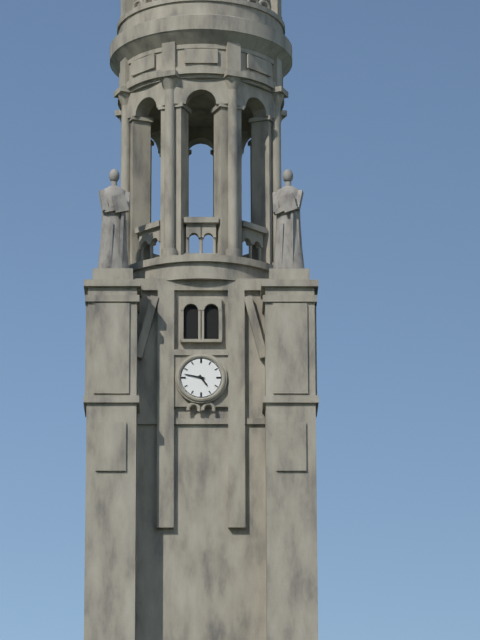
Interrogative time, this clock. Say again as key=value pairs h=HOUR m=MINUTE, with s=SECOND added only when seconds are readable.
h=4 m=47
